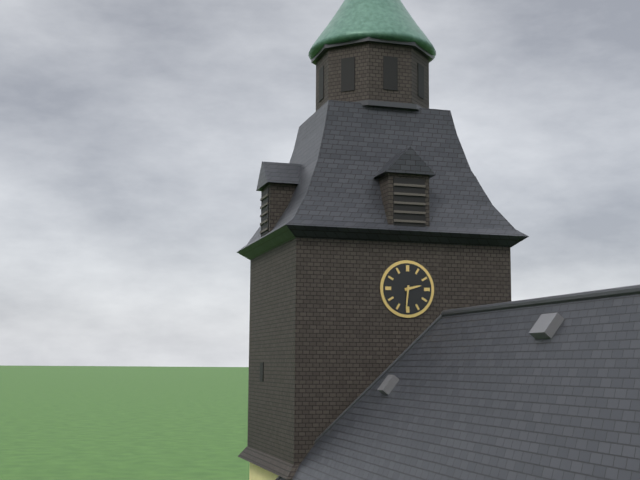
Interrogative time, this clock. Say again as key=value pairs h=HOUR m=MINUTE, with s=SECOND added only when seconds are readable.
h=2 m=31
